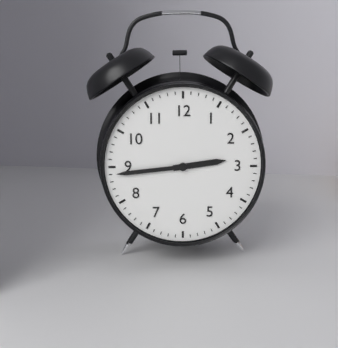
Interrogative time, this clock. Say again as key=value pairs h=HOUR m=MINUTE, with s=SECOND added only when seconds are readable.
h=2 m=44
